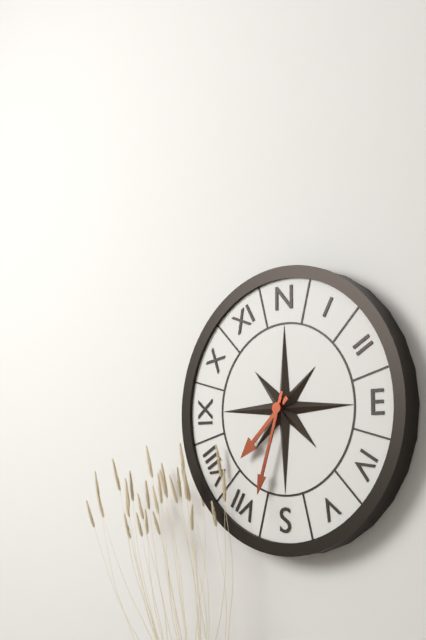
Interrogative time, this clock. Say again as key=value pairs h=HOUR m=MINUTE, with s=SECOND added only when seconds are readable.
h=7 m=33
